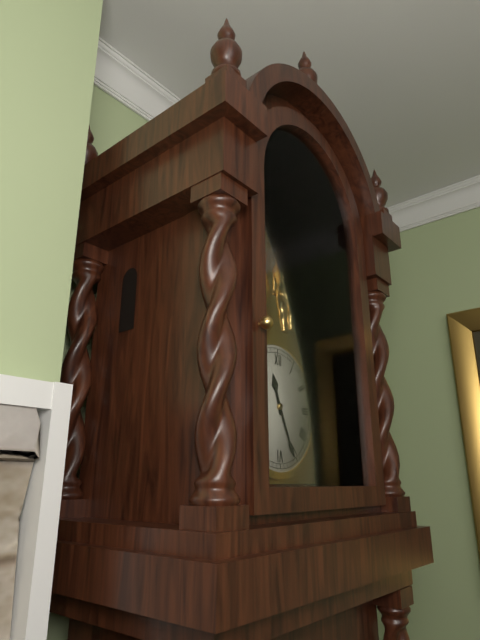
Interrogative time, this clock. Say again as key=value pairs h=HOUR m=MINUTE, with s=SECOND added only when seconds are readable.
h=11 m=26
